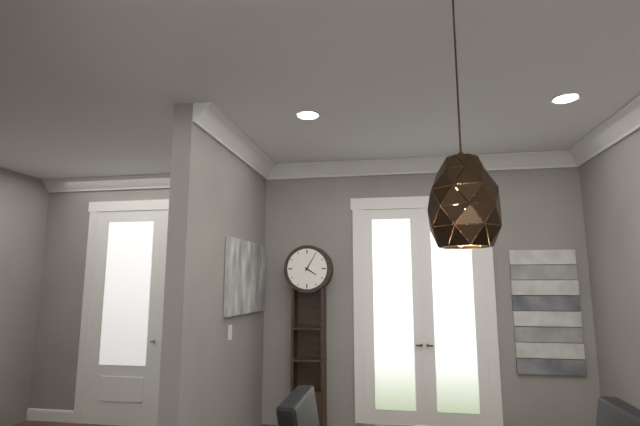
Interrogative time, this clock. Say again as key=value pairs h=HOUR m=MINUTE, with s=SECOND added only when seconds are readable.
h=4 m=5
